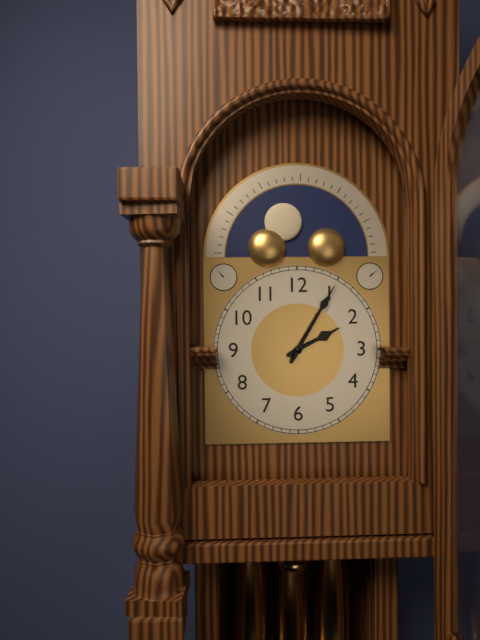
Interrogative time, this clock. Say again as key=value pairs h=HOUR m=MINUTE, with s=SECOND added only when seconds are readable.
h=2 m=5
